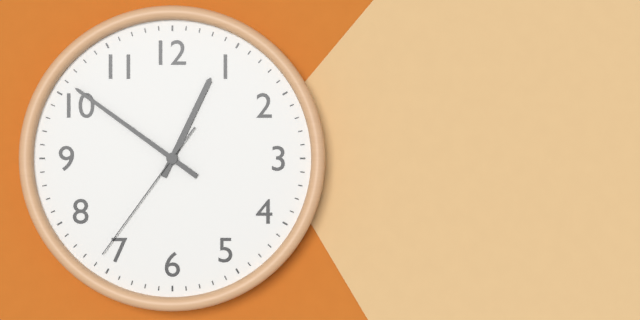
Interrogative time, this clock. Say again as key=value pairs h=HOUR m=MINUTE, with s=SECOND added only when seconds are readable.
h=12 m=51 s=36
